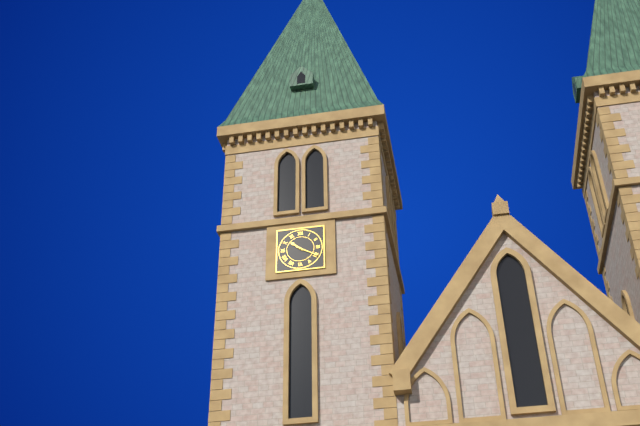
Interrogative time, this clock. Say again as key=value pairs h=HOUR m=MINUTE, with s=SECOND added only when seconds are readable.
h=10 m=20
